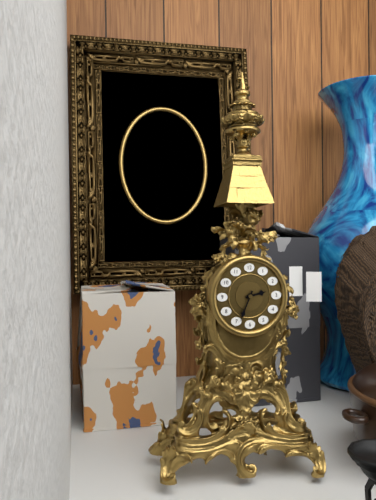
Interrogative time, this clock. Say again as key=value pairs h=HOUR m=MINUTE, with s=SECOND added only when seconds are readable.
h=2 m=34
